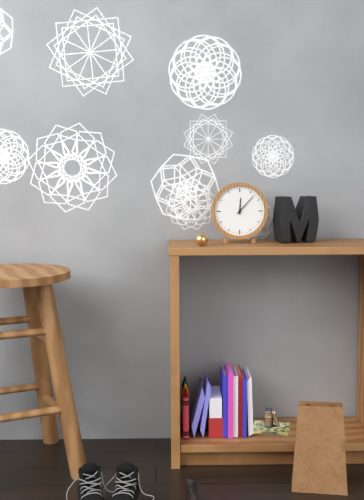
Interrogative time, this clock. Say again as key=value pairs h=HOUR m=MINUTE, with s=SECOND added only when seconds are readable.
h=12 m=7
